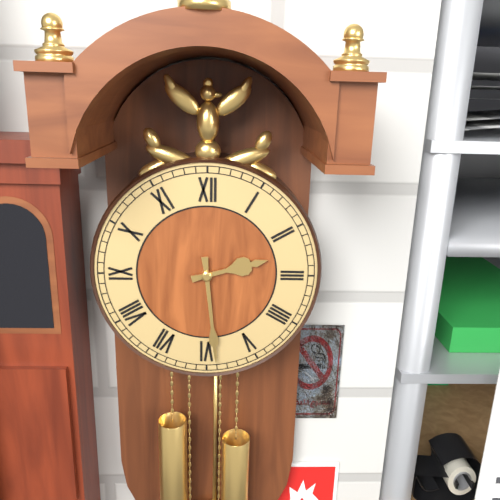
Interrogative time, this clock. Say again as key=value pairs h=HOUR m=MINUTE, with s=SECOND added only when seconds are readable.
h=2 m=29
